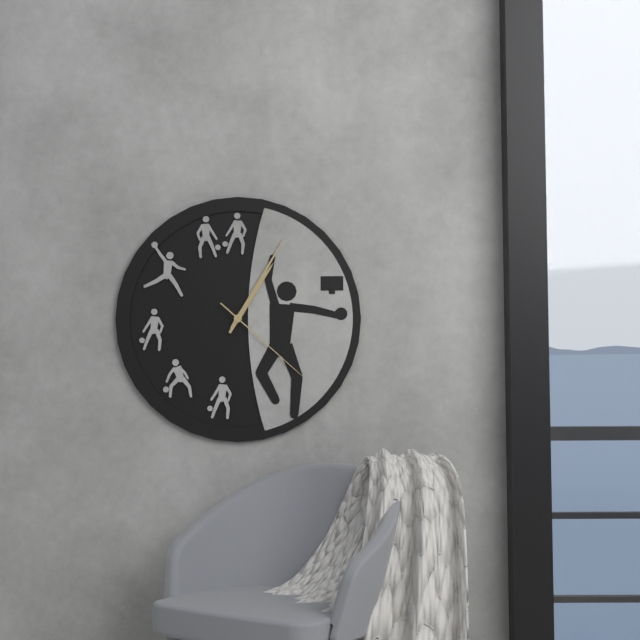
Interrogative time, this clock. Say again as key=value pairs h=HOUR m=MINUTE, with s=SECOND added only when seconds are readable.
h=1 m=5 s=22
